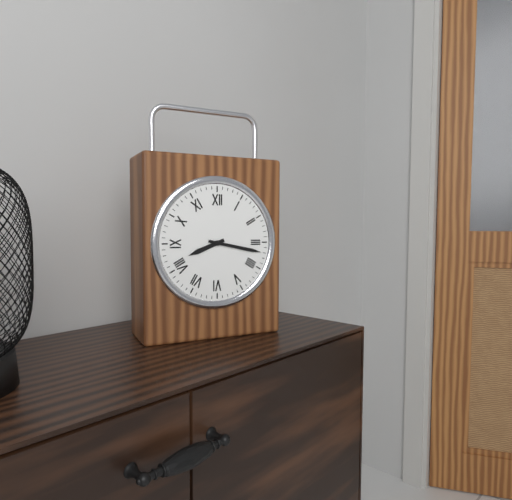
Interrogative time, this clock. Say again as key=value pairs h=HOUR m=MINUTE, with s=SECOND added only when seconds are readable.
h=8 m=17
